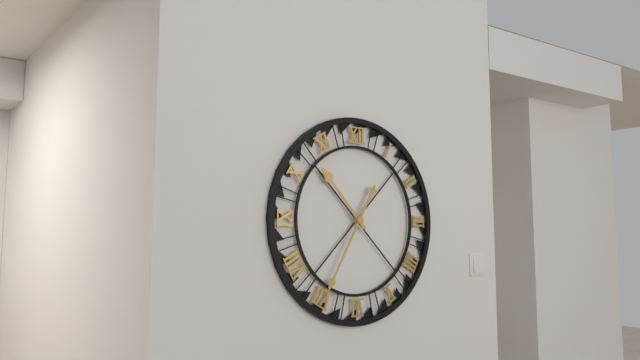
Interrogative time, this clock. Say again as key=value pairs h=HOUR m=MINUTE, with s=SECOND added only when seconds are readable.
h=10 m=35
